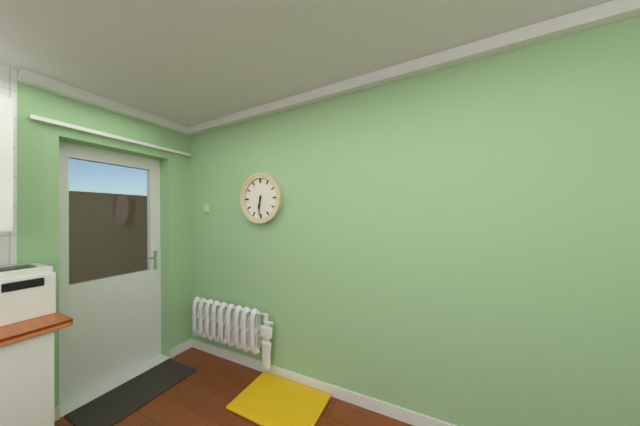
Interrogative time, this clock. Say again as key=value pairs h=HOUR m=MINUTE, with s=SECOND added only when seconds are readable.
h=6 m=31
